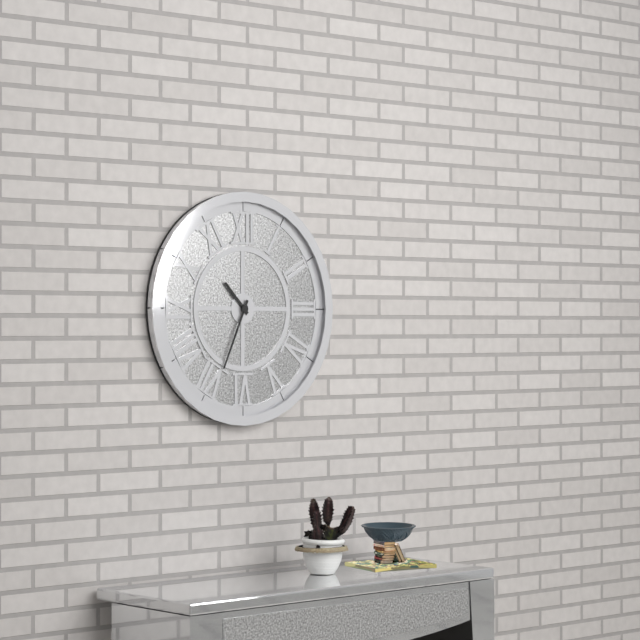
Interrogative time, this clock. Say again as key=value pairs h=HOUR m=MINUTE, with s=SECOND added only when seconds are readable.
h=10 m=34
